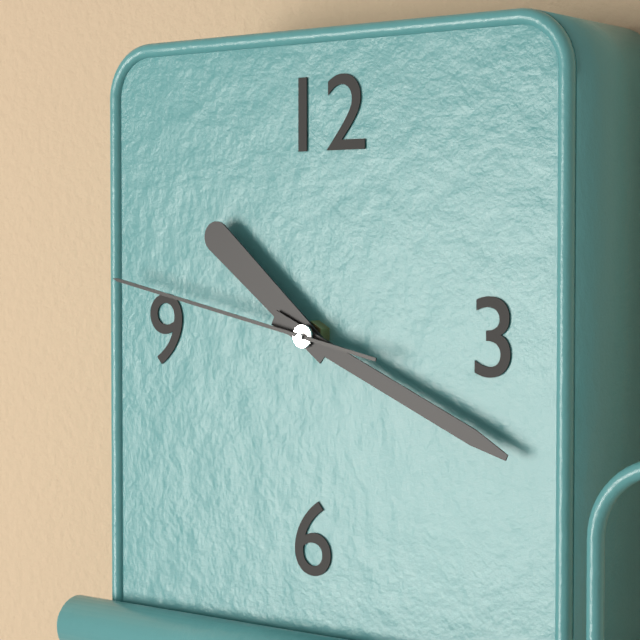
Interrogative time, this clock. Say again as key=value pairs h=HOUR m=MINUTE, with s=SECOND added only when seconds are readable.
h=10 m=19 s=47
